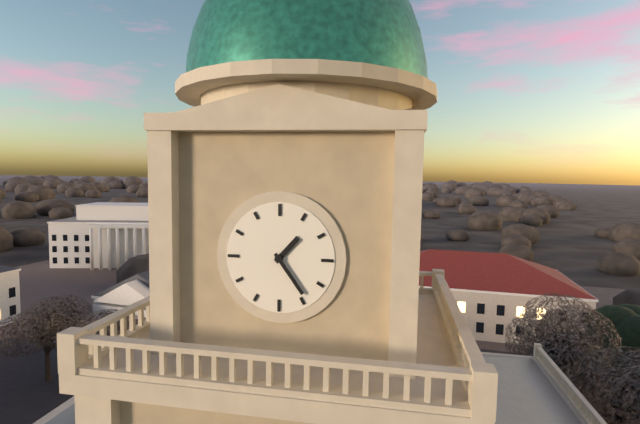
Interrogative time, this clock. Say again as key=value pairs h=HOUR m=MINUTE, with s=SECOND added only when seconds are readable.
h=1 m=24
